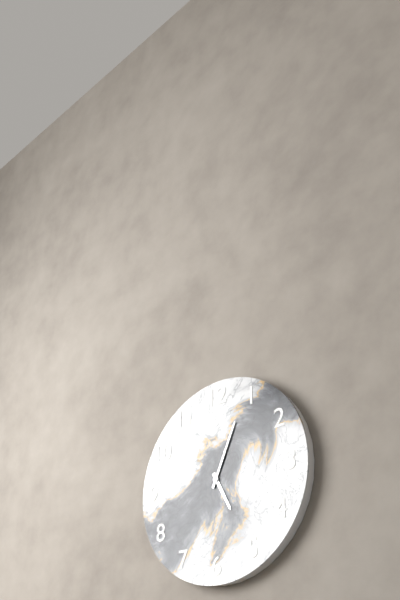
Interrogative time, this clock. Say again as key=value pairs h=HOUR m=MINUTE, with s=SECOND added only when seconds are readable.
h=5 m=4
